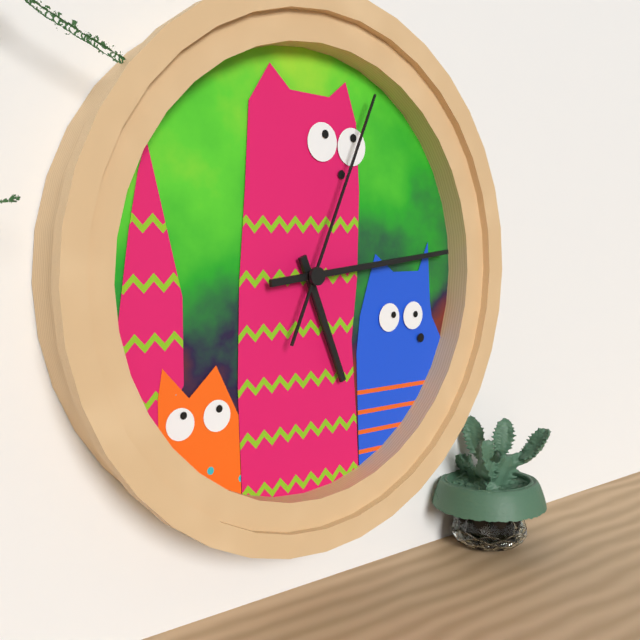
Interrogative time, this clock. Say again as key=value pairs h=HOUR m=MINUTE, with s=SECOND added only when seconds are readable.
h=5 m=14 s=4
